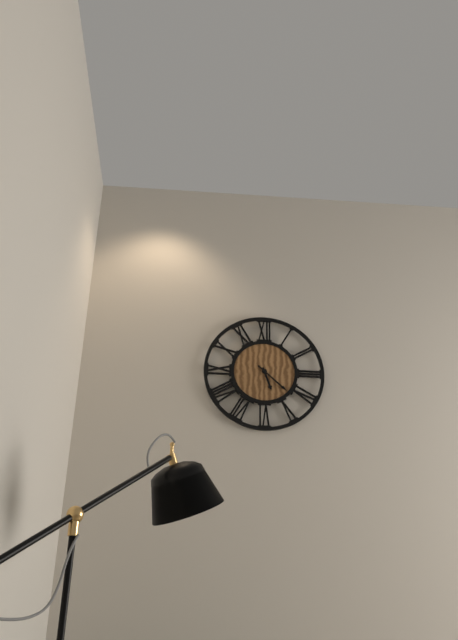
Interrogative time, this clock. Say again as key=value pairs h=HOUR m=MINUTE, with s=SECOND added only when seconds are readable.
h=5 m=22
